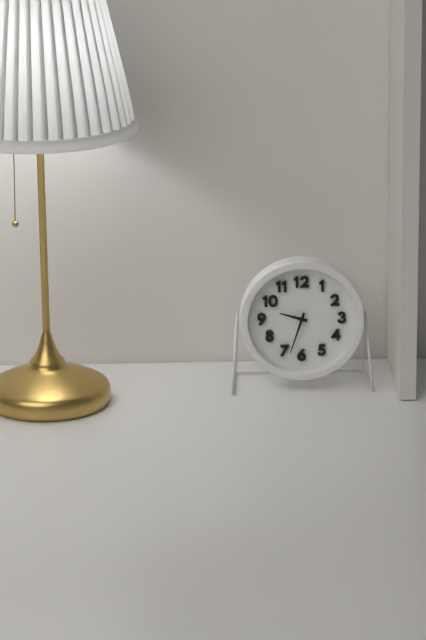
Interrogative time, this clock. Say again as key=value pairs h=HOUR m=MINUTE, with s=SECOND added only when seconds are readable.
h=9 m=33
